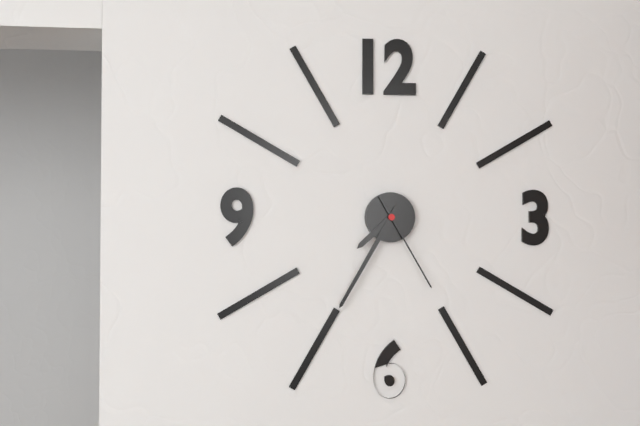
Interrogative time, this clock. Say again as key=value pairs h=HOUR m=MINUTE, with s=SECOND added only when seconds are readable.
h=7 m=35 s=25
